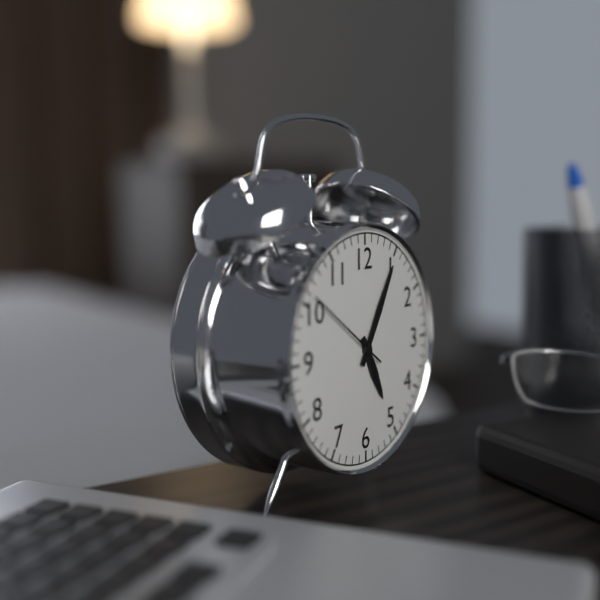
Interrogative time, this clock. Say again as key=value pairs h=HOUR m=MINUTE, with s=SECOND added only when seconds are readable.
h=5 m=5 s=51
